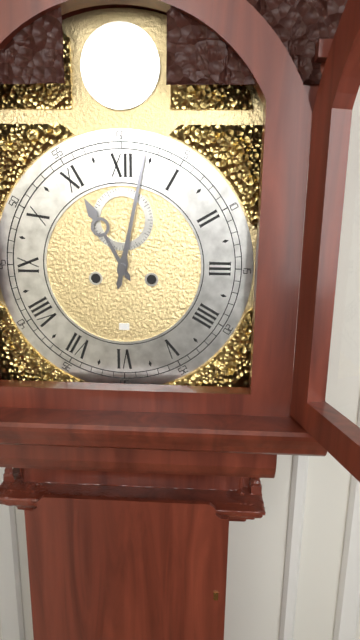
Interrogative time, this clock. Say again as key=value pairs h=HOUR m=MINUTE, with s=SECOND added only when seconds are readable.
h=11 m=2
